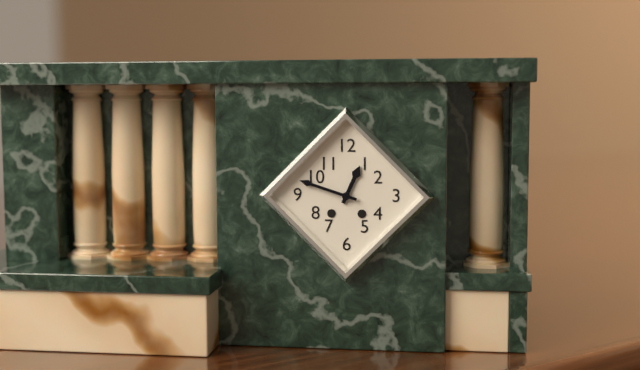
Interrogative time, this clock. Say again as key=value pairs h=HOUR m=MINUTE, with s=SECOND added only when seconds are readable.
h=12 m=48
